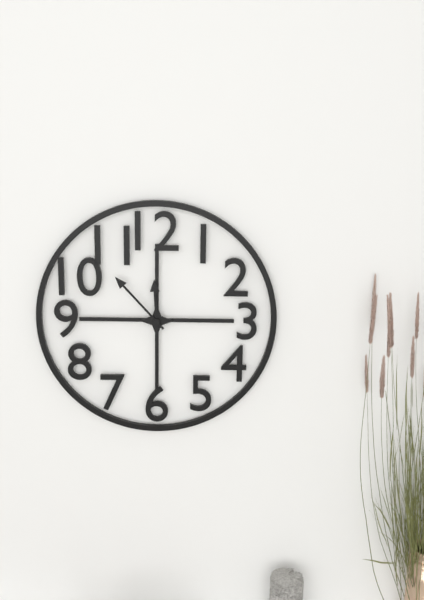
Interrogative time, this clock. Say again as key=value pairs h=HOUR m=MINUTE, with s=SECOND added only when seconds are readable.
h=11 m=53
